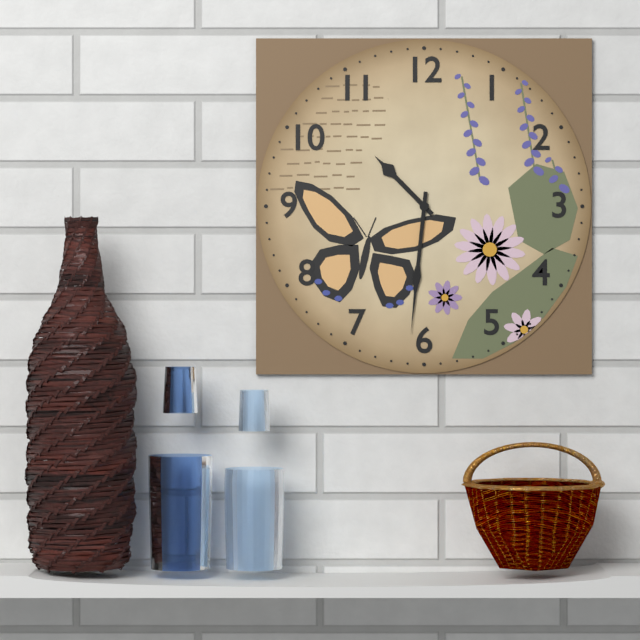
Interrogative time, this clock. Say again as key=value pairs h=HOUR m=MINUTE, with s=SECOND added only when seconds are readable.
h=10 m=31
